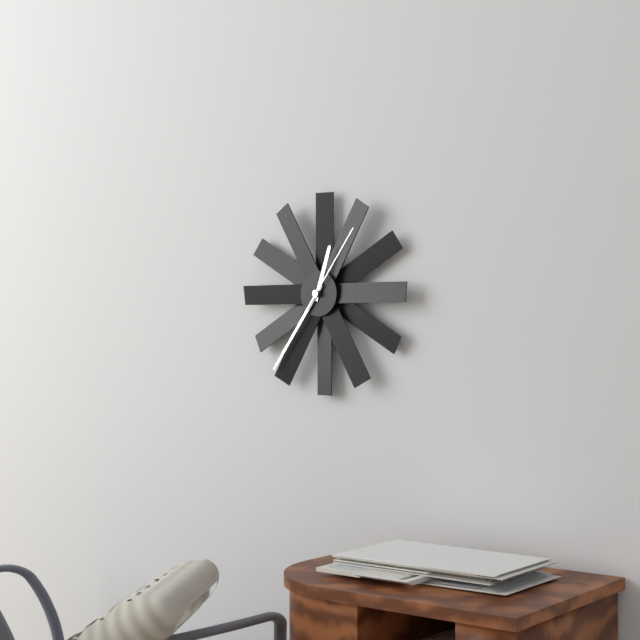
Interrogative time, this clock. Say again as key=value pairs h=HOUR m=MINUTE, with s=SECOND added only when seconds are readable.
h=12 m=36 s=6
